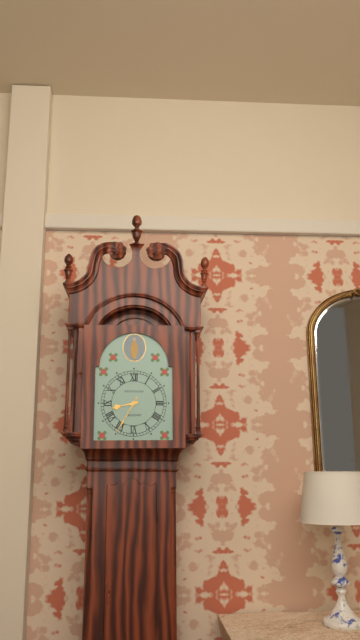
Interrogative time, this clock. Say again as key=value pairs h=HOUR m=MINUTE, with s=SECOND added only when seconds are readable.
h=8 m=35
